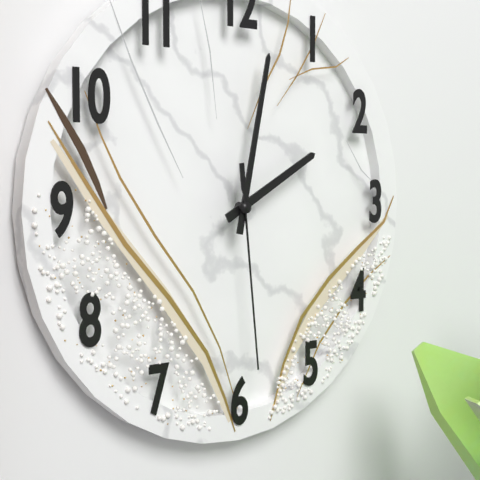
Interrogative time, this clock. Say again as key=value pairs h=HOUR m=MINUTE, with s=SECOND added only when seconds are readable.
h=2 m=2 s=29
